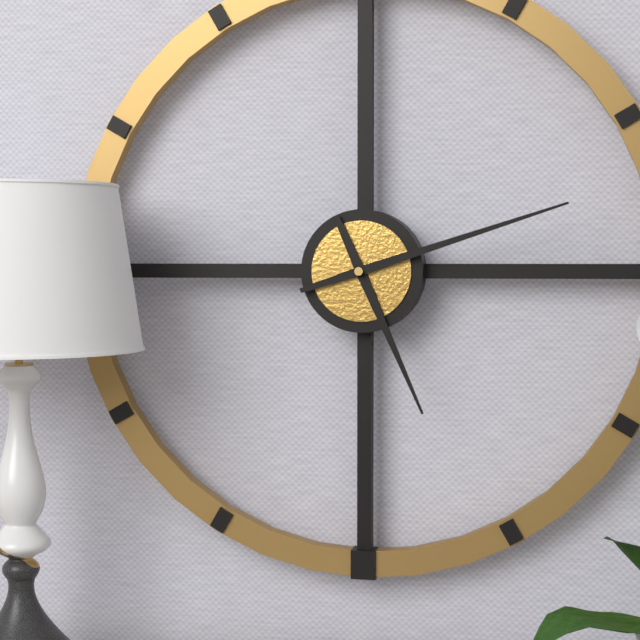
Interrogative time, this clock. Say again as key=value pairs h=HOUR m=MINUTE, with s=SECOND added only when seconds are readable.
h=5 m=12
